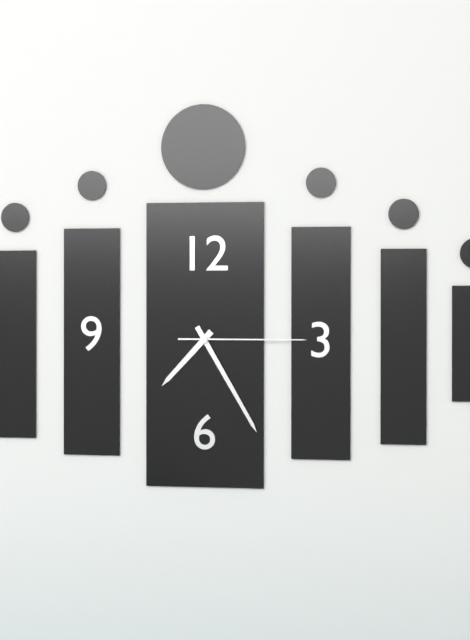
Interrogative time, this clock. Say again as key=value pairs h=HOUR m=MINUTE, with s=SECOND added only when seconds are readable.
h=7 m=25 s=15
